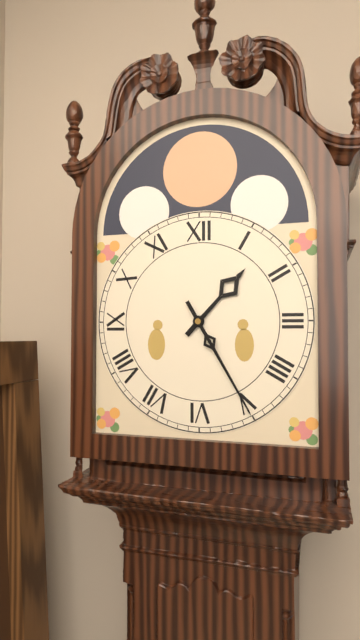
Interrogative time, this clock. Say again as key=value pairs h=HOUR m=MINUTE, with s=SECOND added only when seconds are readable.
h=1 m=25
